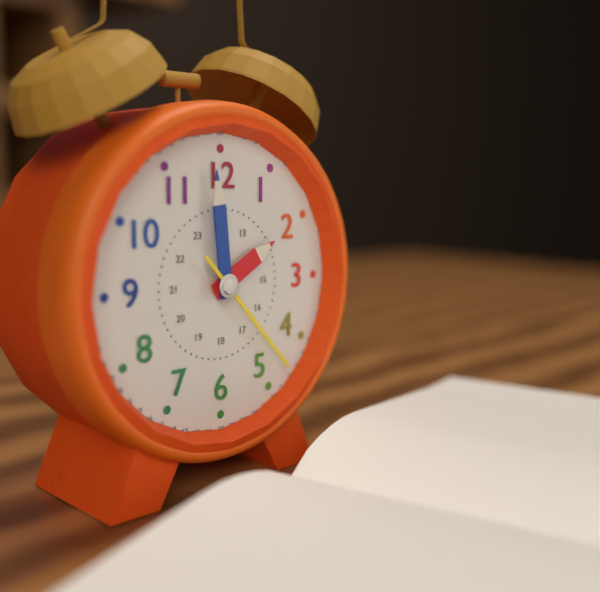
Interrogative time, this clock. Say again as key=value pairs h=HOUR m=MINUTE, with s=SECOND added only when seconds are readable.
h=1 m=59 s=23
